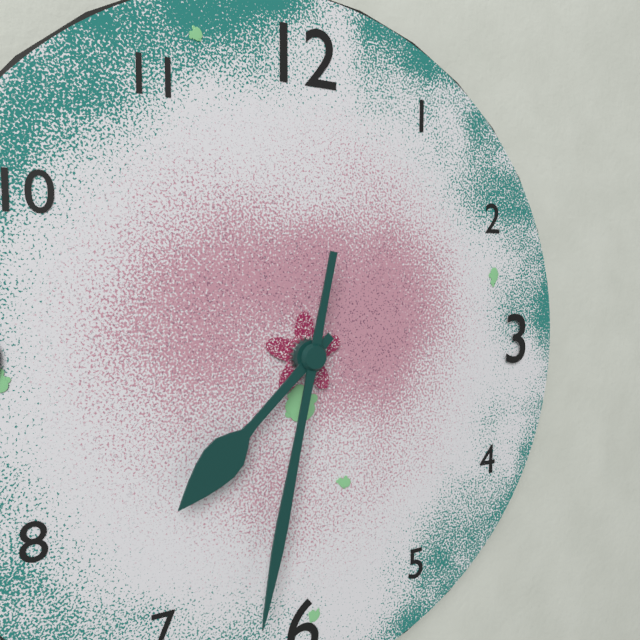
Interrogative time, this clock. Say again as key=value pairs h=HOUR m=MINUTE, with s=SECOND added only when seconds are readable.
h=7 m=32
